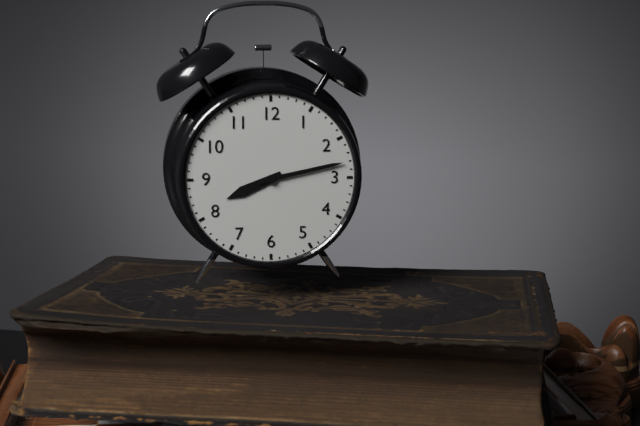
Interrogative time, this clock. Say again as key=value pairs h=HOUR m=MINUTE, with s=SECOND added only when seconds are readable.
h=8 m=13
